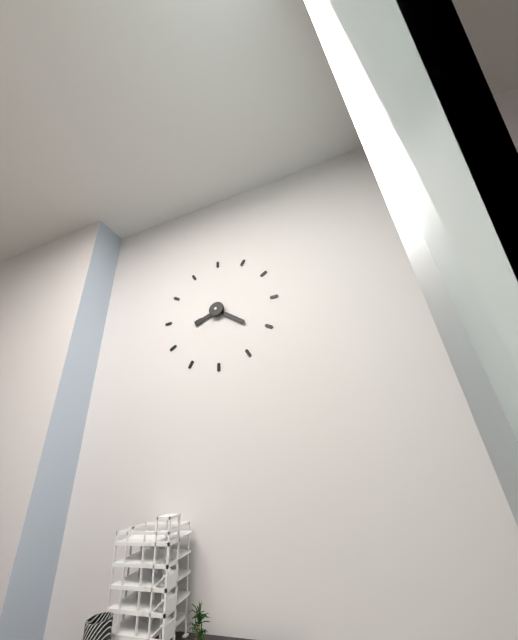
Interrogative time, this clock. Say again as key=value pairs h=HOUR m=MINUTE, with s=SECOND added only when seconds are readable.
h=8 m=21
